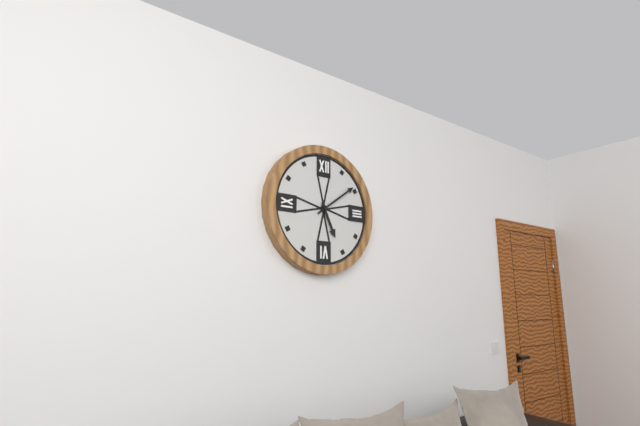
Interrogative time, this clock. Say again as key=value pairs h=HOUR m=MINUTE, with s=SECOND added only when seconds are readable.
h=5 m=9
